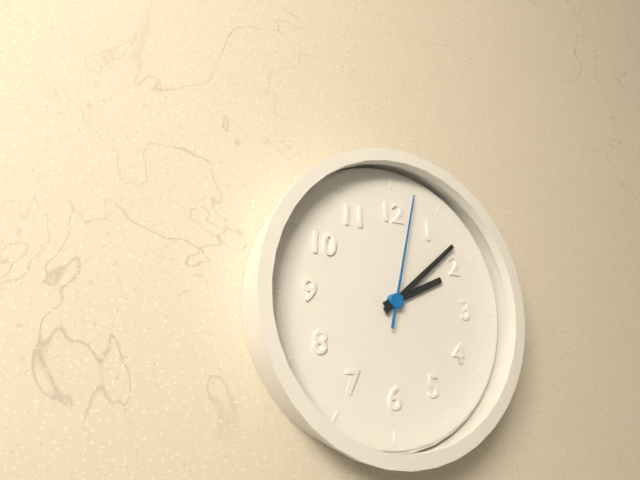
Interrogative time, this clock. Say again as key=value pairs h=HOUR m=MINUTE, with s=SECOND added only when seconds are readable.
h=2 m=8 s=2
